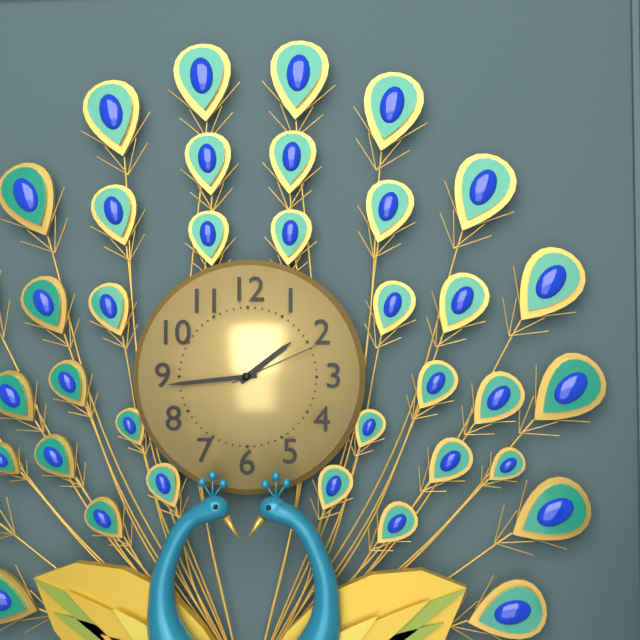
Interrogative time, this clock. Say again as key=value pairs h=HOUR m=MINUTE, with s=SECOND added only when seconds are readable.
h=1 m=44 s=11
